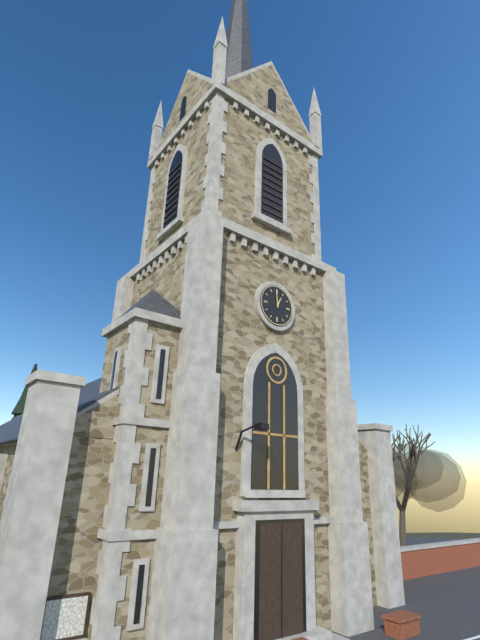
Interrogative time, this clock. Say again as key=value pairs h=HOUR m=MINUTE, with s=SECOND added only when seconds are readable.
h=12 m=59
